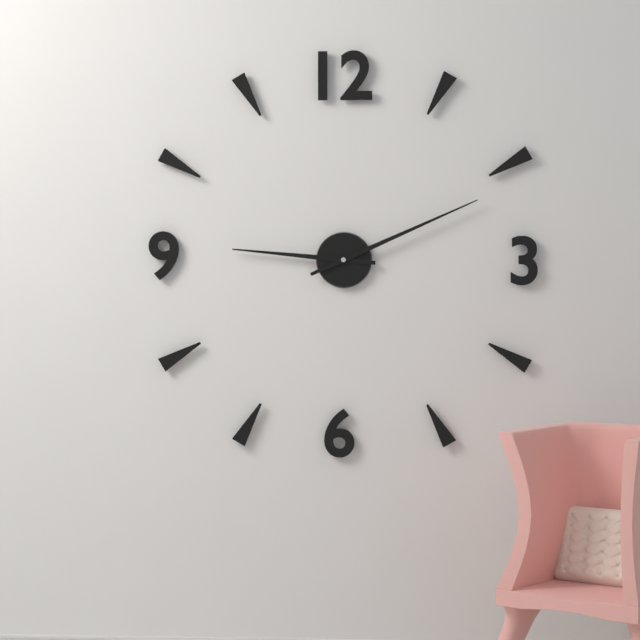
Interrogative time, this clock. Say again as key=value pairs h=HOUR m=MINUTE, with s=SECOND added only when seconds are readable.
h=9 m=11
